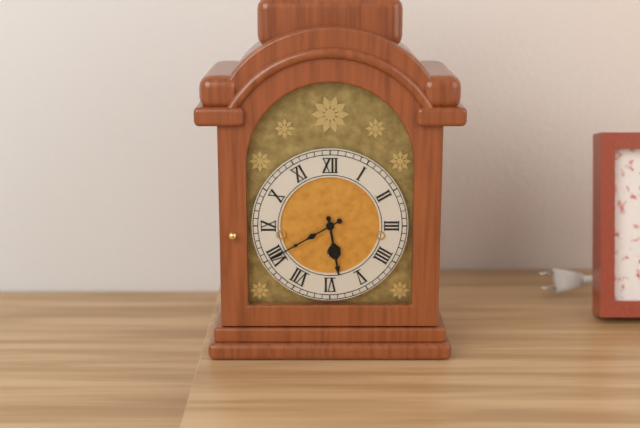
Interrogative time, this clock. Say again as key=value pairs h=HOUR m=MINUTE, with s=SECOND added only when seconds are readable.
h=5 m=40
